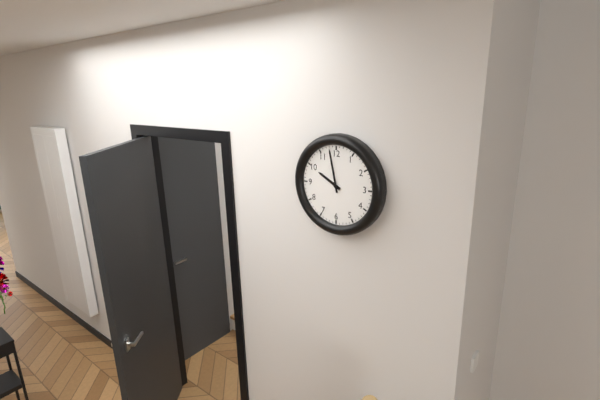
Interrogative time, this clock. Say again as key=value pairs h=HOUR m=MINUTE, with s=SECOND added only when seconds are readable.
h=9 m=58
